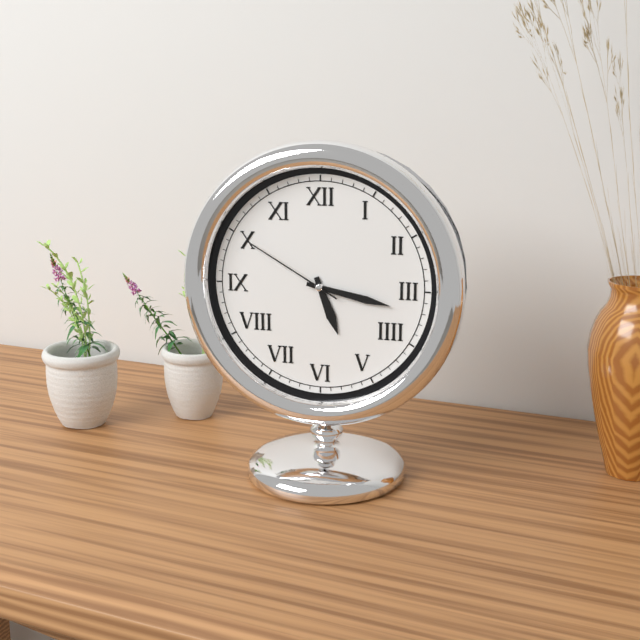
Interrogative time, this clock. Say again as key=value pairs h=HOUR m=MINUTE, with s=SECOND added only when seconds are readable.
h=5 m=17 s=50
